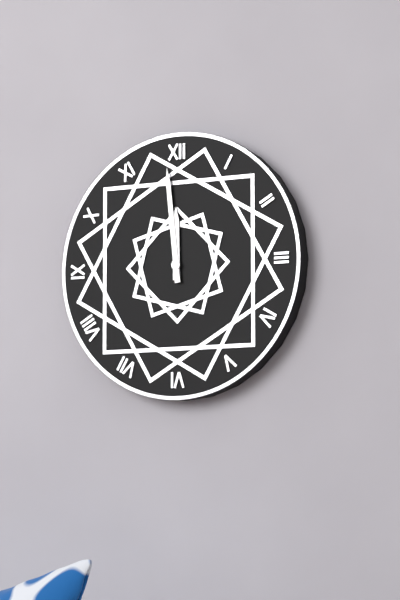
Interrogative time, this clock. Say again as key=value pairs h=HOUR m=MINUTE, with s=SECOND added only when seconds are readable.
h=11 m=59
